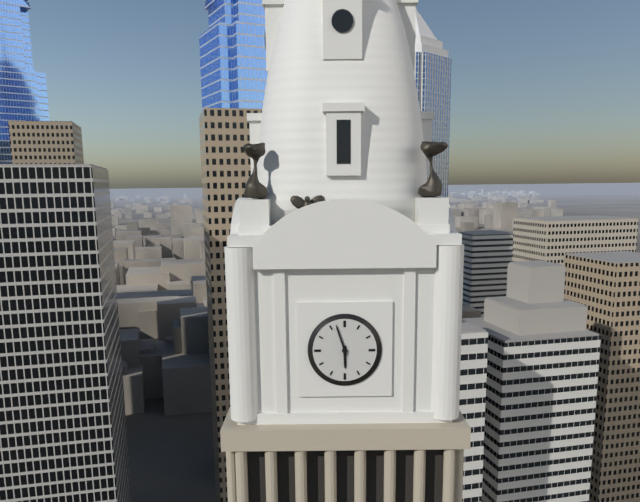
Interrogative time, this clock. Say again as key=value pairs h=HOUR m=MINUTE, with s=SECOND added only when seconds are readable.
h=5 m=57
